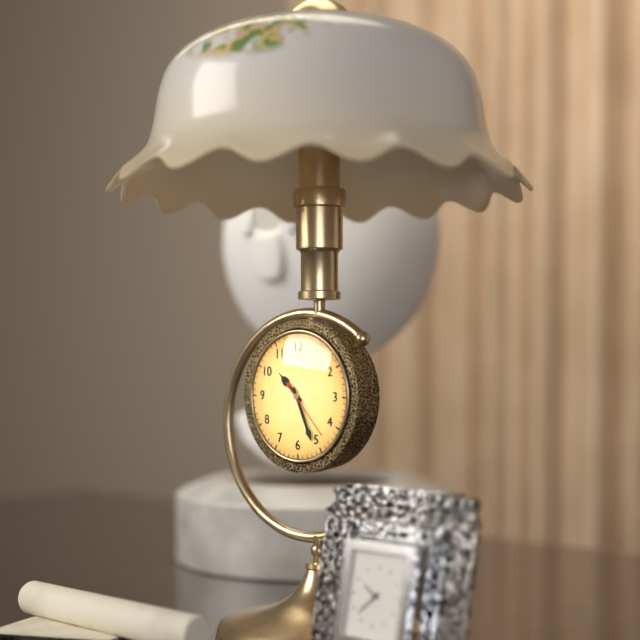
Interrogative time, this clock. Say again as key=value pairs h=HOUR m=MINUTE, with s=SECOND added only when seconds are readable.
h=10 m=26 s=23
